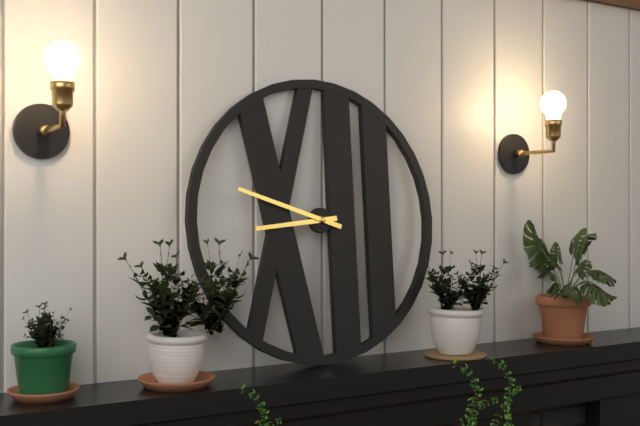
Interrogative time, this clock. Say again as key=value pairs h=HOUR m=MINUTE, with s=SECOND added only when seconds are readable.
h=8 m=48
